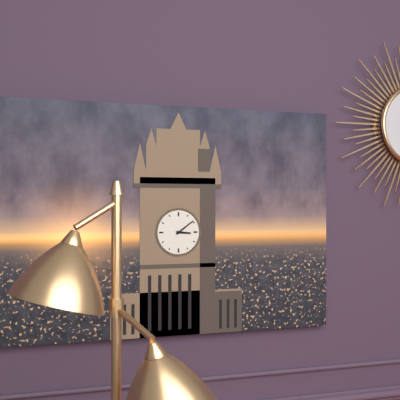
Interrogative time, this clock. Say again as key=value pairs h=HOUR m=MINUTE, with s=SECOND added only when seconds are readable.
h=3 m=9
